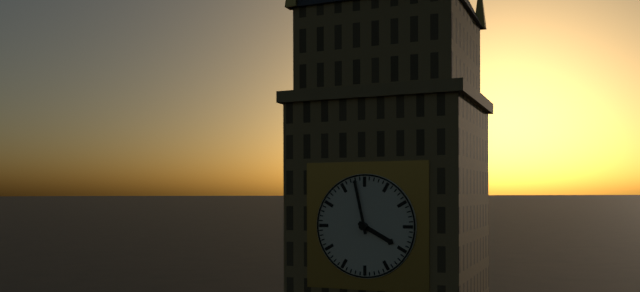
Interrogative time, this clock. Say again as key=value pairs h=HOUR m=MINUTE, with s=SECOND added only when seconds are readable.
h=3 m=58
